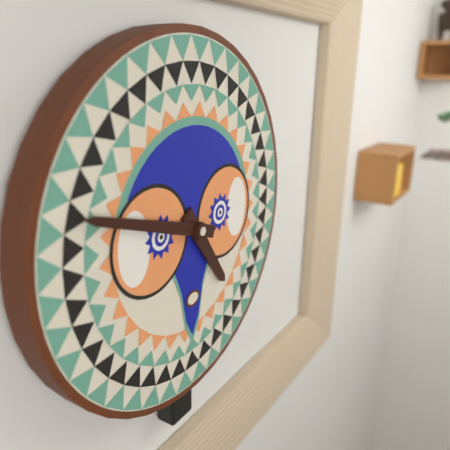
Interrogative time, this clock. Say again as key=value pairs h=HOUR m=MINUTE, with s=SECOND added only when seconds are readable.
h=4 m=48
